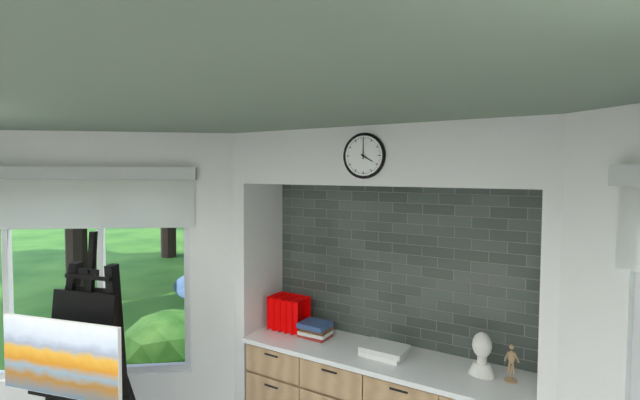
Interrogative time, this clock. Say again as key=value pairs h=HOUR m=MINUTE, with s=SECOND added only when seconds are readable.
h=4 m=0
